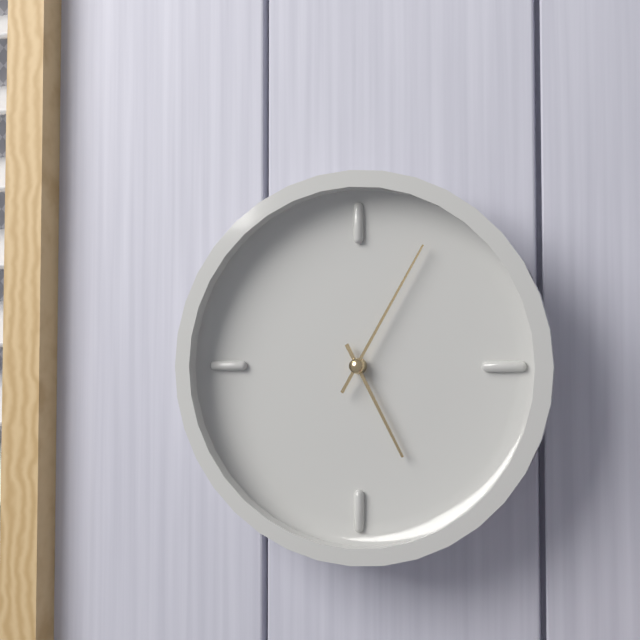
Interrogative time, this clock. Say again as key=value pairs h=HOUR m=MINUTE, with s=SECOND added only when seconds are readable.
h=5 m=5
